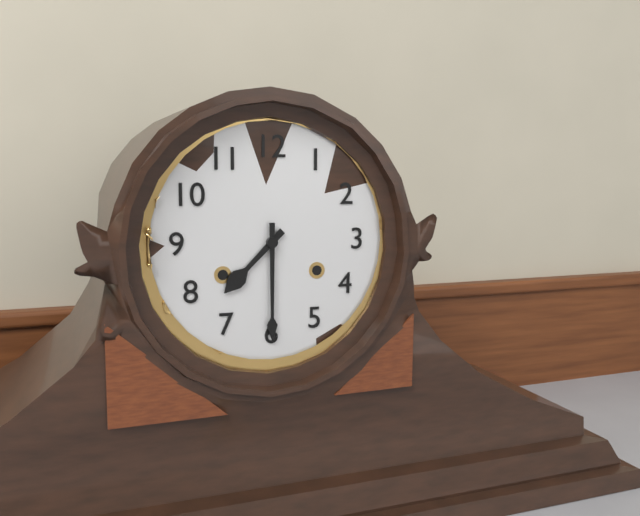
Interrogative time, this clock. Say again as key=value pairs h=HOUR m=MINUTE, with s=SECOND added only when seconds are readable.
h=7 m=30
